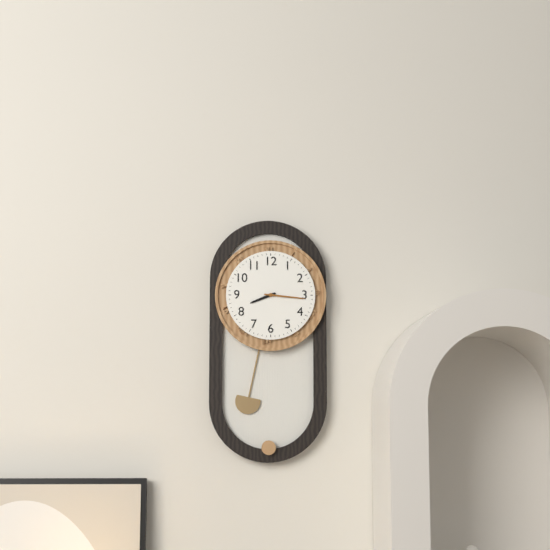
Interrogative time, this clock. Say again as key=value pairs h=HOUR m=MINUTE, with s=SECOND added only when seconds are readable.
h=8 m=16
